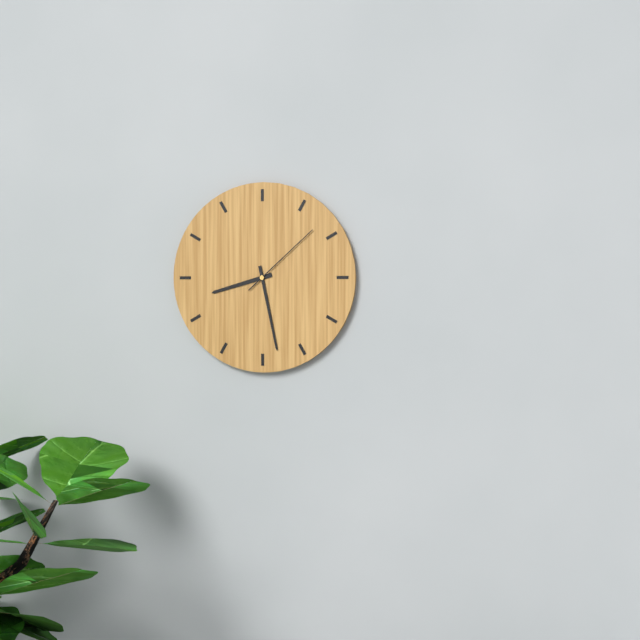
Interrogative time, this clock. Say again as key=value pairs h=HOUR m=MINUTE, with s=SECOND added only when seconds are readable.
h=8 m=28 s=8
